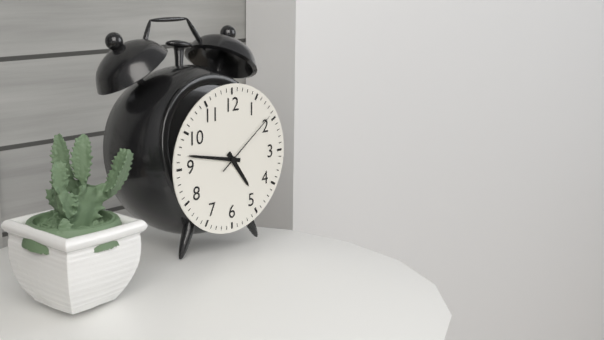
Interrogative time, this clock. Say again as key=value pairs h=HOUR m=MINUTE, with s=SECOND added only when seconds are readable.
h=4 m=47 s=9
